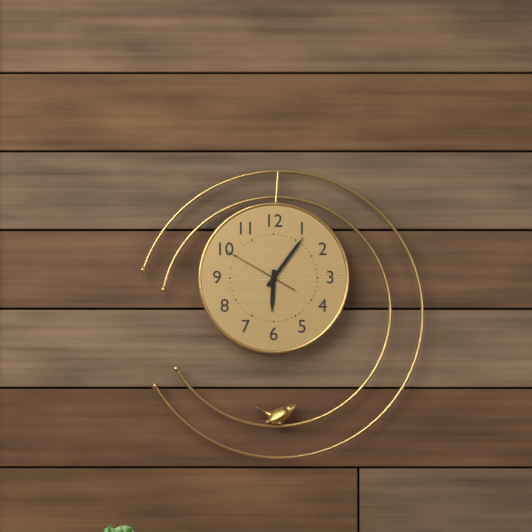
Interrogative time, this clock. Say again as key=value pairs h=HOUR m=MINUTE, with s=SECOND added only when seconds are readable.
h=6 m=6 s=50
